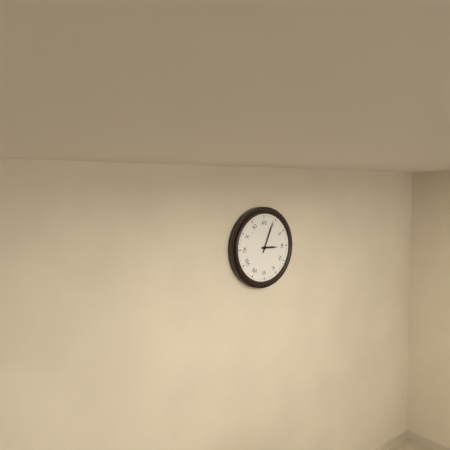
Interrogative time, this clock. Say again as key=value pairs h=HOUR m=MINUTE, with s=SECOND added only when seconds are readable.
h=3 m=4
